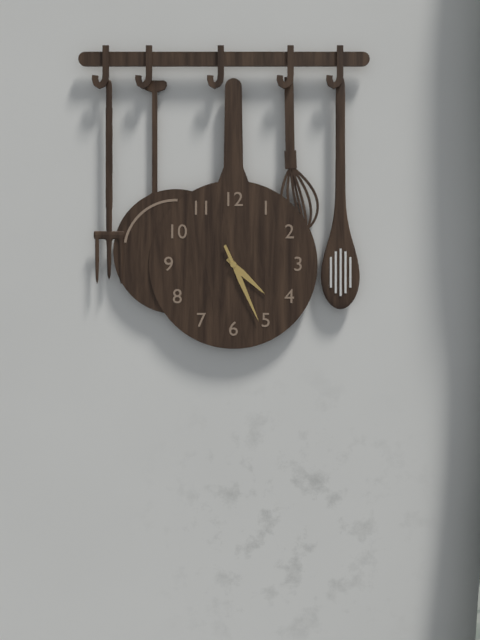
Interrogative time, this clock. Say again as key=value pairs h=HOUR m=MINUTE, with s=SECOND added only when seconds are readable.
h=4 m=26
